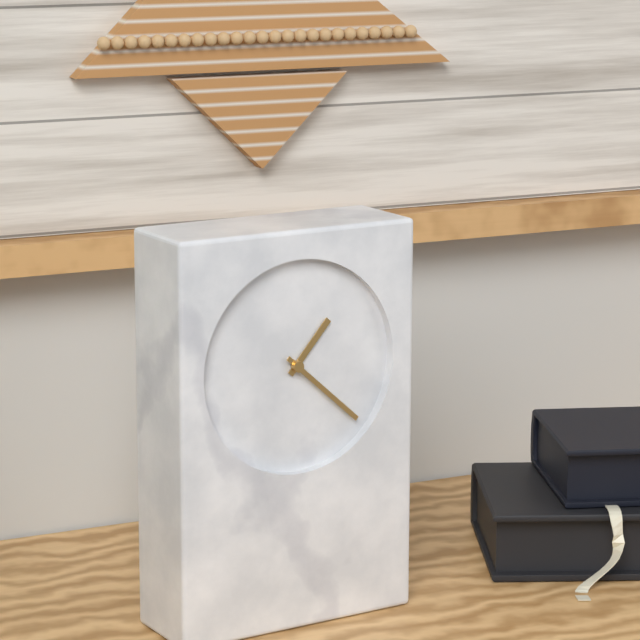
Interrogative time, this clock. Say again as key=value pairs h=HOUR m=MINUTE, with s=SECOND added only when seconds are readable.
h=1 m=22
